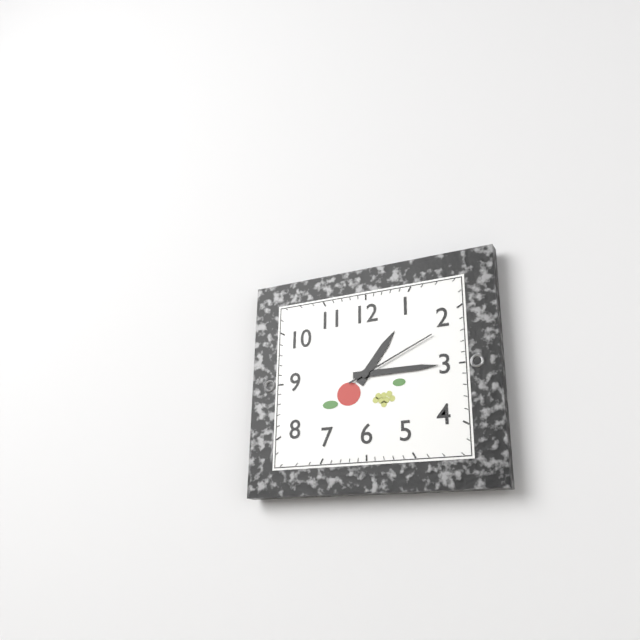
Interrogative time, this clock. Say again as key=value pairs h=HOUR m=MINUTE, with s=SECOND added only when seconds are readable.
h=1 m=15 s=11
